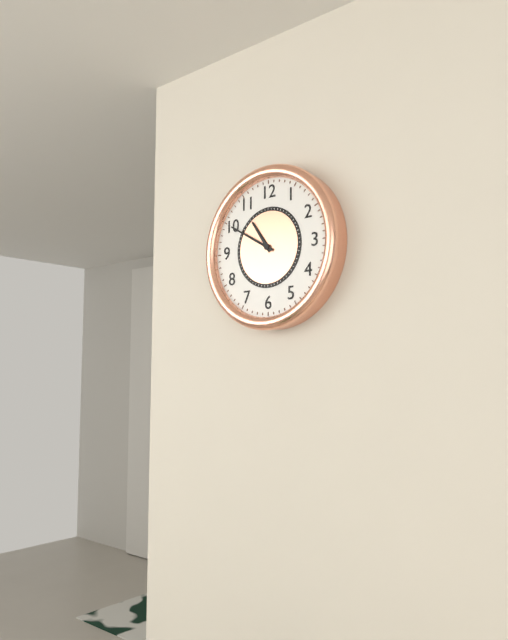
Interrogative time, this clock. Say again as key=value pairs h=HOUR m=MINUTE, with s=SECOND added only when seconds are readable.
h=10 m=50
